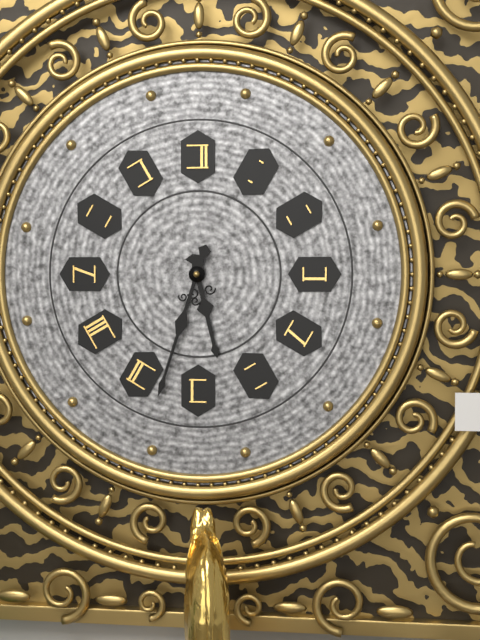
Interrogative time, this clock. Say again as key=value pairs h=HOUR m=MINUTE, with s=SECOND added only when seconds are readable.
h=5 m=33
